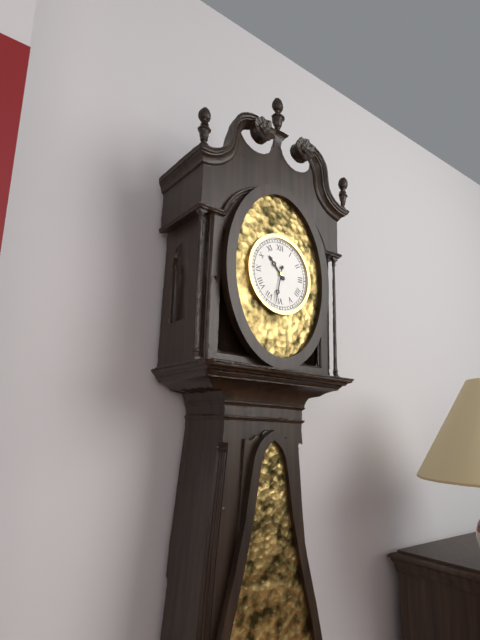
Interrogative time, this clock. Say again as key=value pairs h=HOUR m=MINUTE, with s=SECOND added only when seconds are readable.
h=10 m=32
